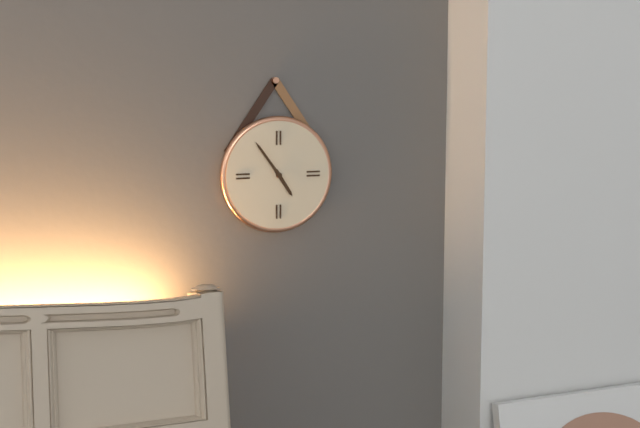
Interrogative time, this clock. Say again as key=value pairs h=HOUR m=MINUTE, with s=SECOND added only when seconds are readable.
h=4 m=54
